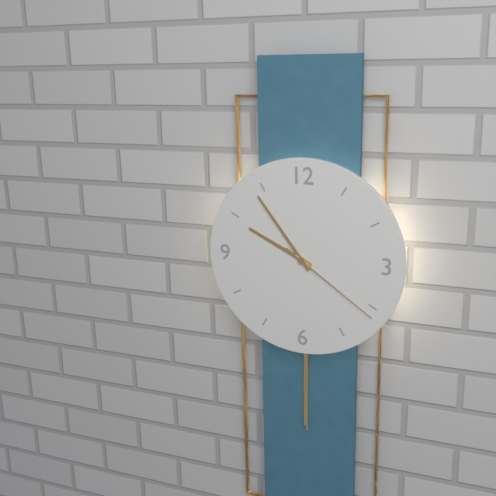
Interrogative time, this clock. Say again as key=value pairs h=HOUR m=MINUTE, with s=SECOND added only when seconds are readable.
h=9 m=54 s=21
